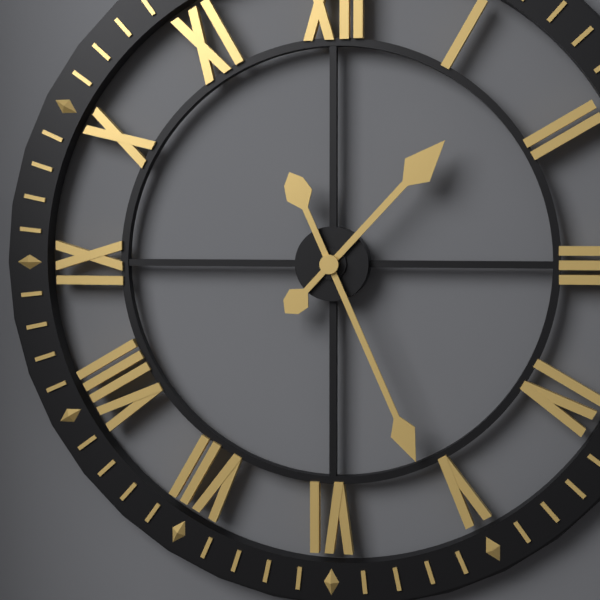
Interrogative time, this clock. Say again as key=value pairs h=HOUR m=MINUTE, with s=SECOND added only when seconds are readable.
h=1 m=26
